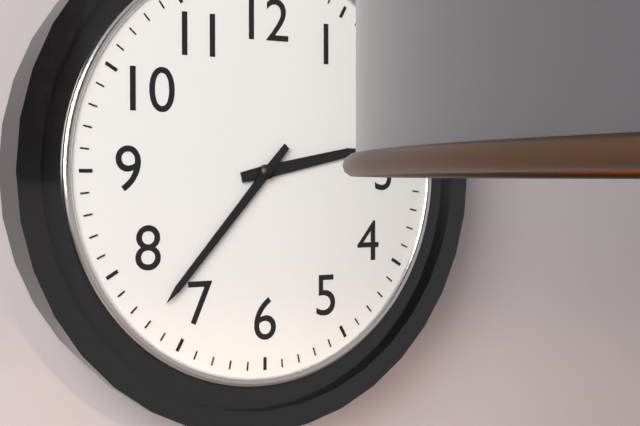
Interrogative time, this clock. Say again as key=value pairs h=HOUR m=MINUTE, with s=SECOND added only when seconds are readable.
h=2 m=37
